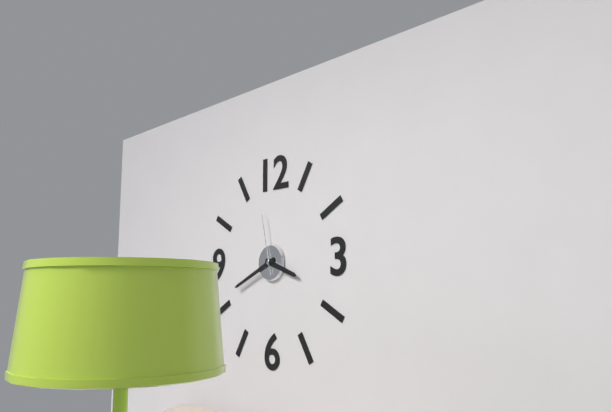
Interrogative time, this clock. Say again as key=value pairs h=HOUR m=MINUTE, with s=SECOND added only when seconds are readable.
h=3 m=41 s=58
